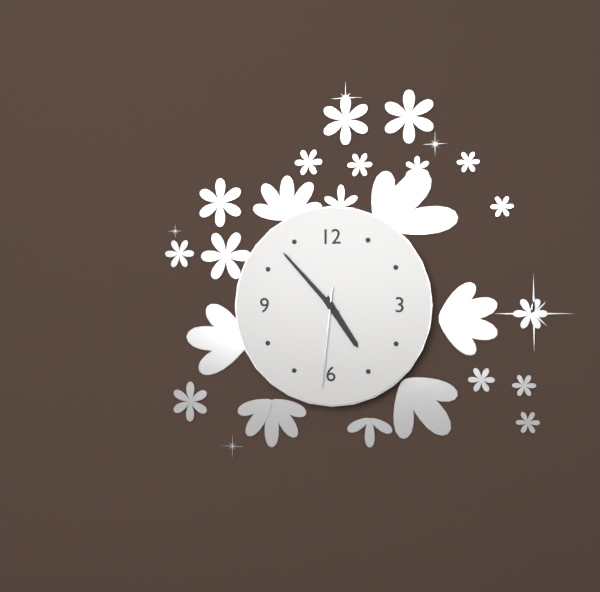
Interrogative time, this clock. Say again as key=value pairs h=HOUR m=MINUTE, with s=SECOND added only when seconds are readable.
h=4 m=53 s=31
